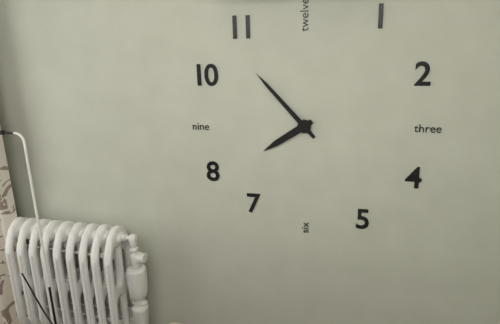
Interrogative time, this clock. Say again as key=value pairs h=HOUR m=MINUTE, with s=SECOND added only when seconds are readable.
h=7 m=53
